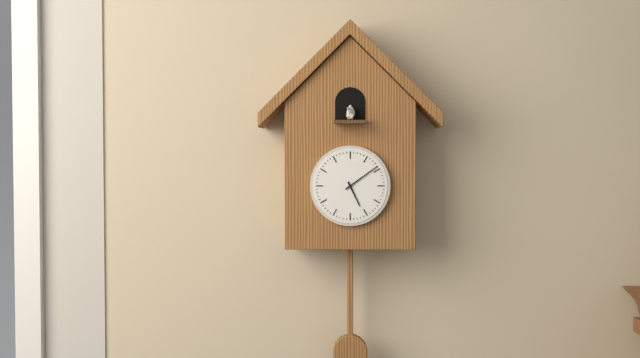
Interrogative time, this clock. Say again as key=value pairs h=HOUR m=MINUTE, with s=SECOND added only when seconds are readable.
h=5 m=9
